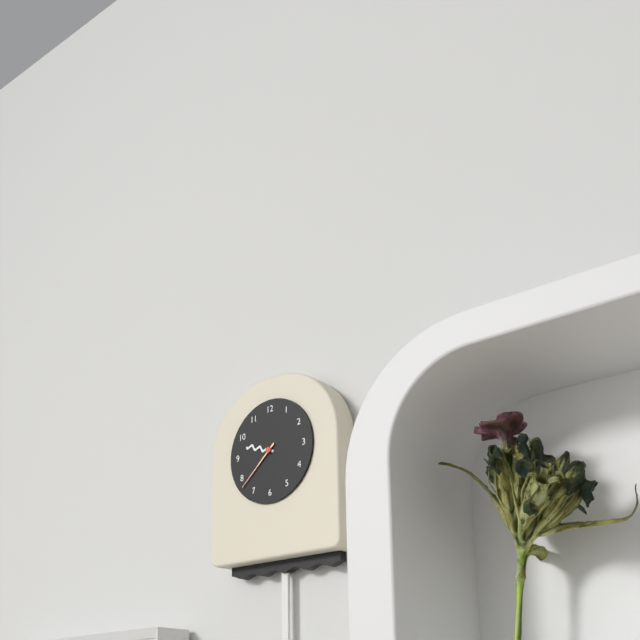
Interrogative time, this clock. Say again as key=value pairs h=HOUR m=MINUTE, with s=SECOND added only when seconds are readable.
h=9 m=38
